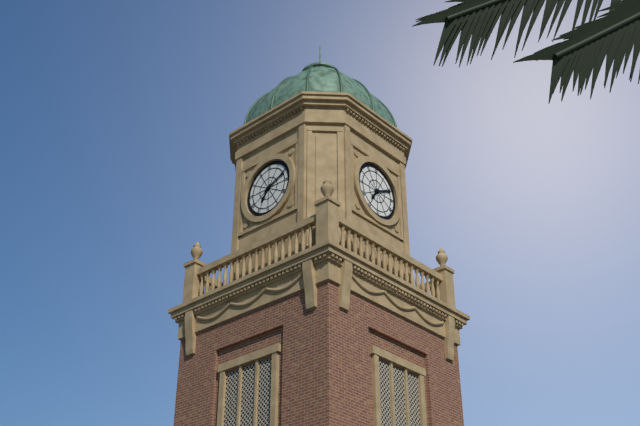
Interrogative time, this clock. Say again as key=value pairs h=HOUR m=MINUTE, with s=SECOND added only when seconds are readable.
h=7 m=11
